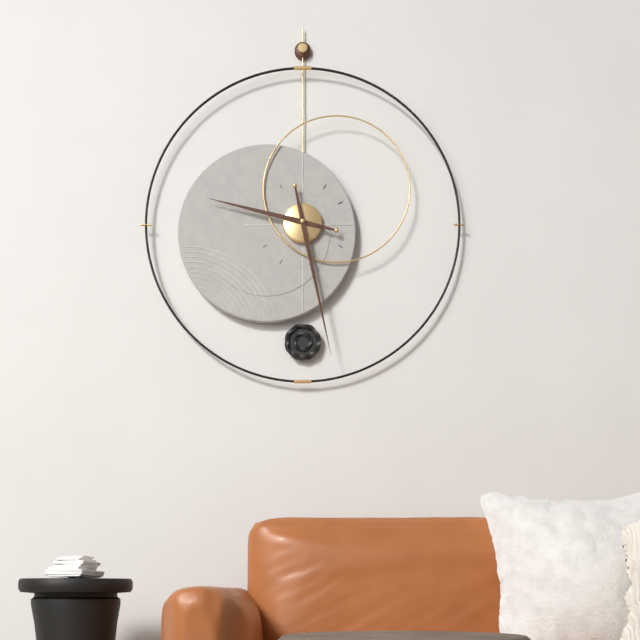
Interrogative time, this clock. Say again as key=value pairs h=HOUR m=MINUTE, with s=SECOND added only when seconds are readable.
h=9 m=28
